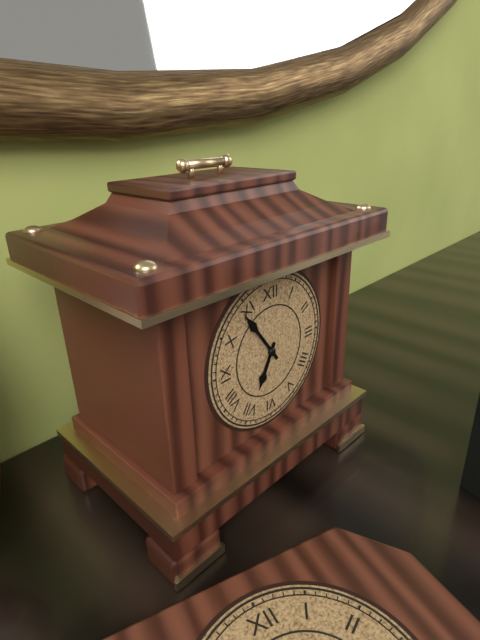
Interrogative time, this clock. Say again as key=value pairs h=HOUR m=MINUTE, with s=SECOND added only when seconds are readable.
h=6 m=54
